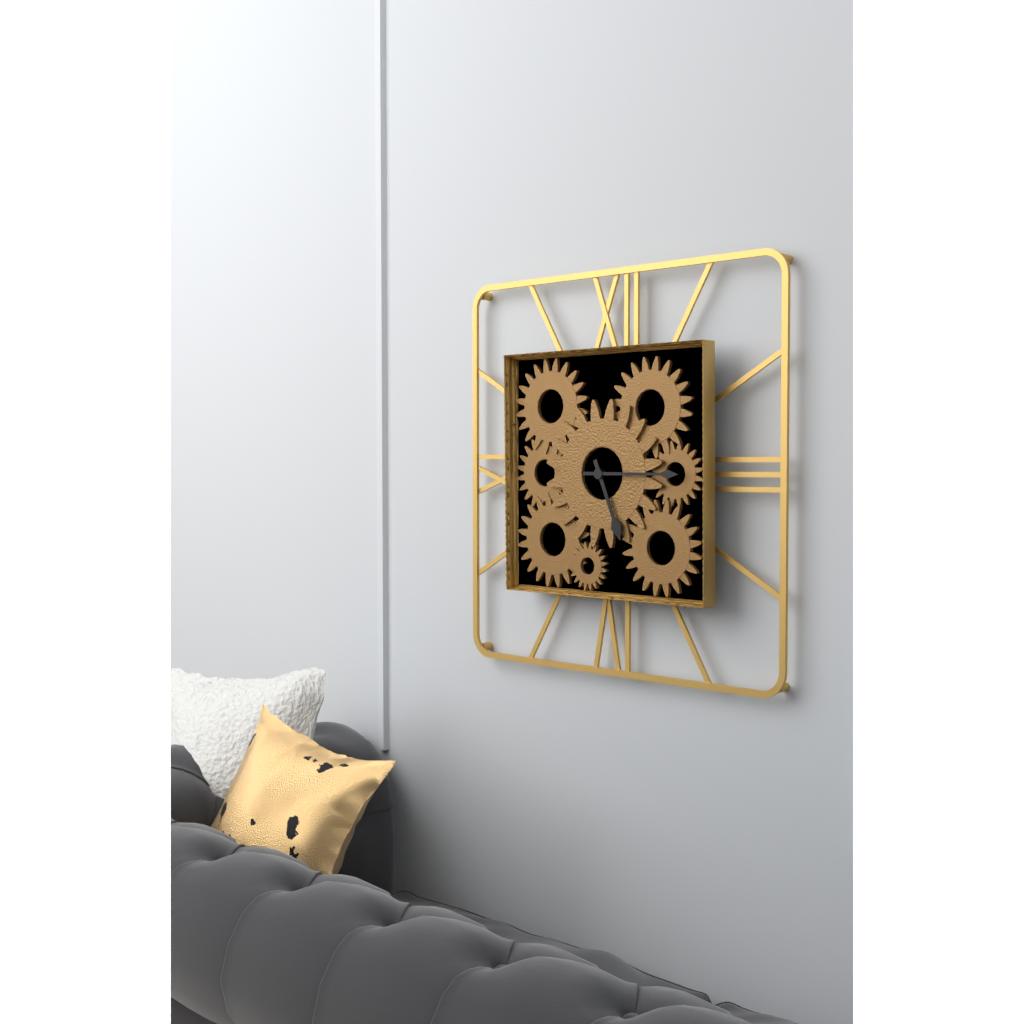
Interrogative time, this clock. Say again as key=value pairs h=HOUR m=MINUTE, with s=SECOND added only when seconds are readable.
h=5 m=15
